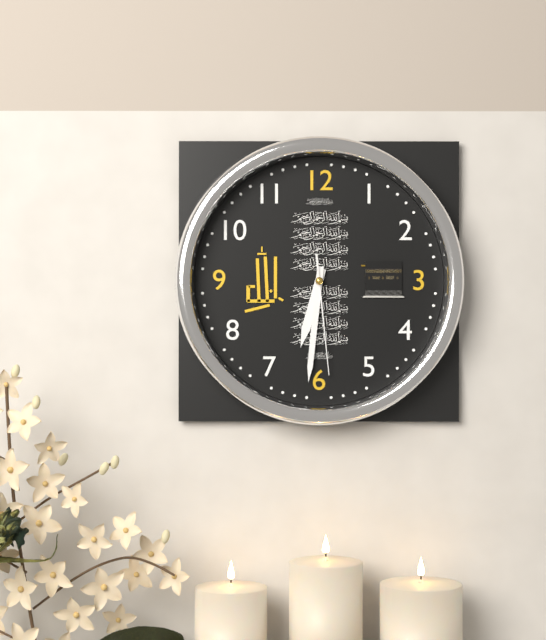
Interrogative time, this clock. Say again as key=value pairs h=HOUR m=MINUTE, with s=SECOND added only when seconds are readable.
h=6 m=31 s=29
